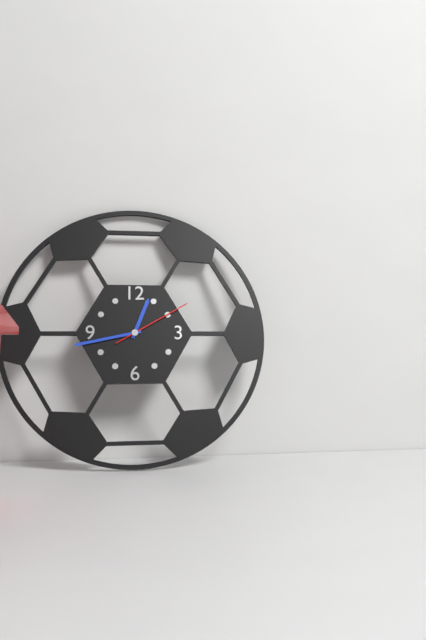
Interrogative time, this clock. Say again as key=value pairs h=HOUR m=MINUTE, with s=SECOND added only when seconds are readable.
h=12 m=43 s=10
